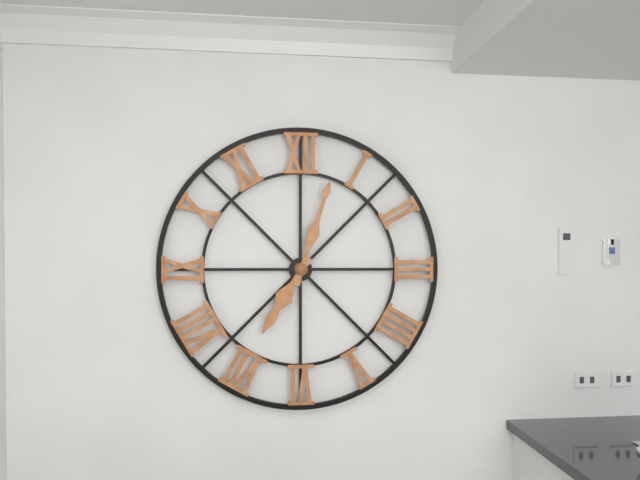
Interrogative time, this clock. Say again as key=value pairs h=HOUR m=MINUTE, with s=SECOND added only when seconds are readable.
h=7 m=3
